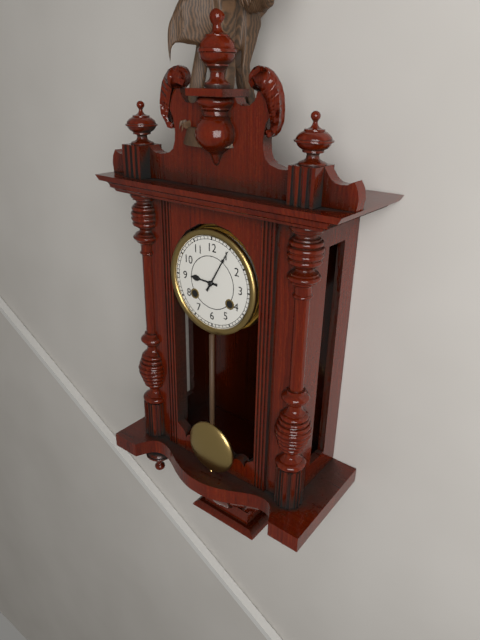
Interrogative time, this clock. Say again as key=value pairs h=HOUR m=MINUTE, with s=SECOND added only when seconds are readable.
h=9 m=5
